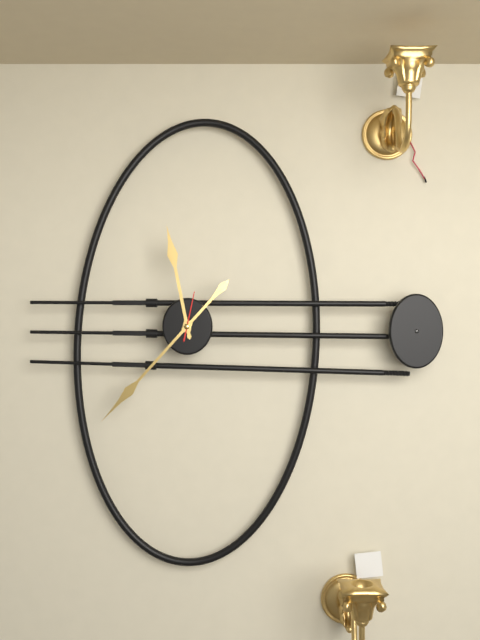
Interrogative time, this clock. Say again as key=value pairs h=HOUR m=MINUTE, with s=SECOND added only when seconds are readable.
h=11 m=37
